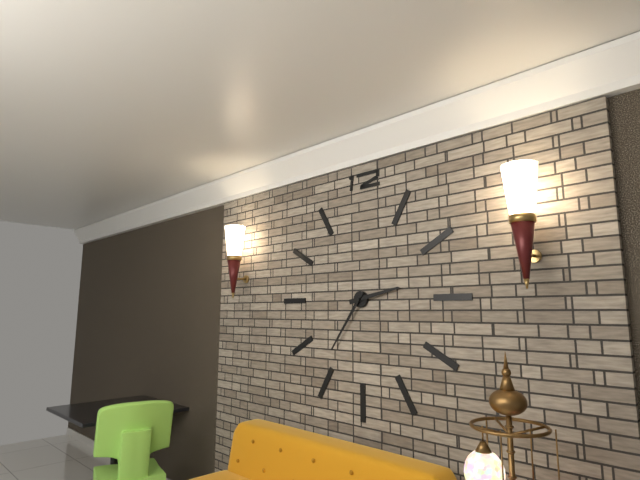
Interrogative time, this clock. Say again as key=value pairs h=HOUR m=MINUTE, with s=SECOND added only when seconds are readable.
h=2 m=36
